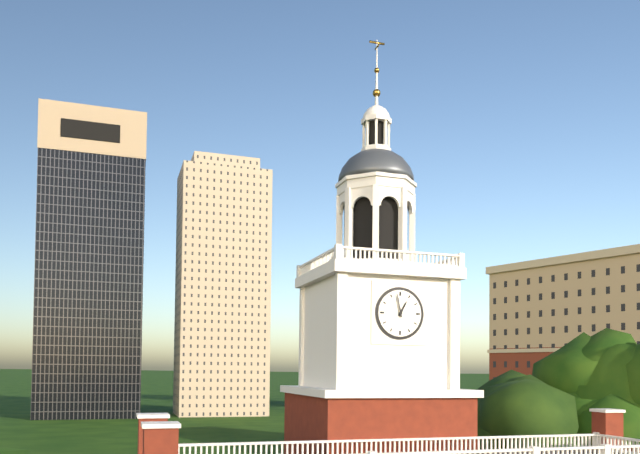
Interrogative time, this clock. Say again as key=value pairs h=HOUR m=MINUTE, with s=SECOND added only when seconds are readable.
h=12 m=58
